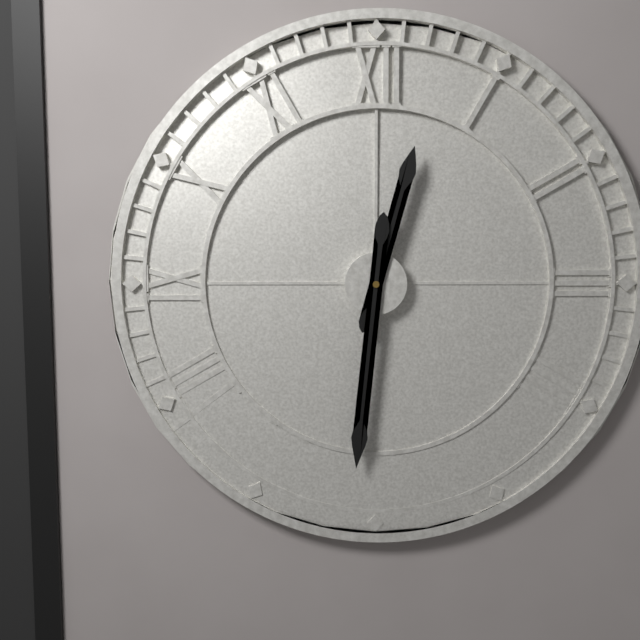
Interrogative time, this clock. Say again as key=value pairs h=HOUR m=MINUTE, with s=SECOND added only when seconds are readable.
h=12 m=31
